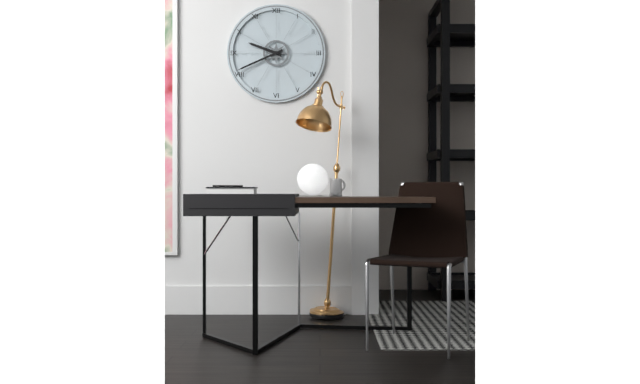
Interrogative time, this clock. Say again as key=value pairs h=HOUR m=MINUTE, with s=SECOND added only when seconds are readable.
h=9 m=41
